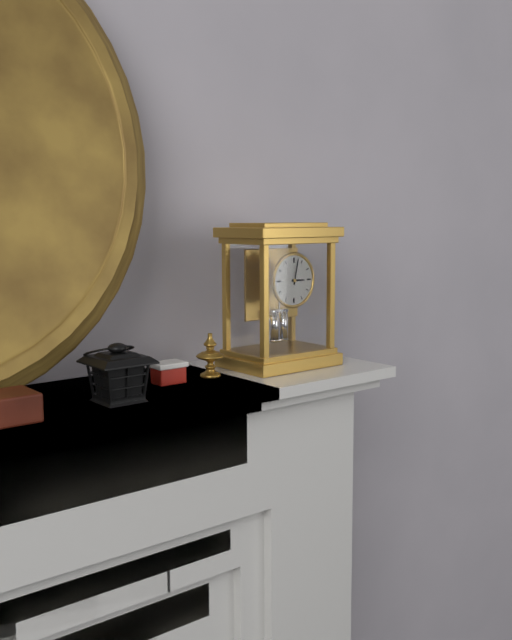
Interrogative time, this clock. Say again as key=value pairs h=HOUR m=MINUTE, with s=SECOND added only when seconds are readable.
h=3 m=2
